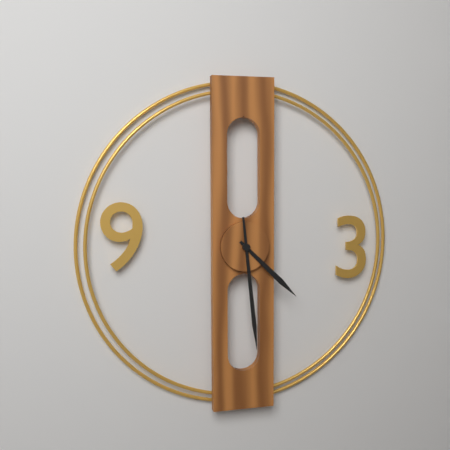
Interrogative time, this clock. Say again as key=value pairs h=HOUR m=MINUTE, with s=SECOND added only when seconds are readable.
h=4 m=29
